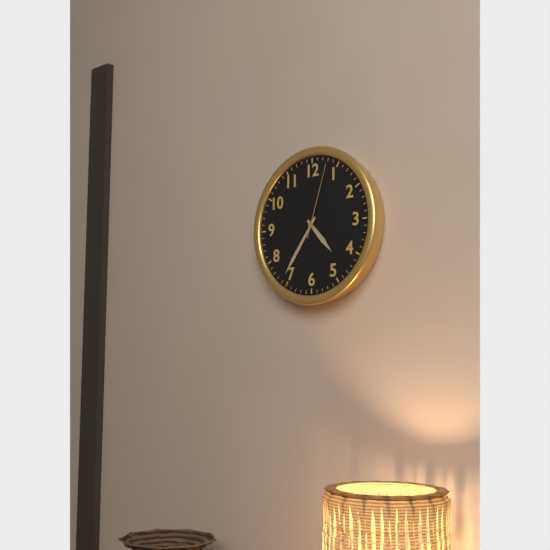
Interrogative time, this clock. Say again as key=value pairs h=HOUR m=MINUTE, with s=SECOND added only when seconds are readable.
h=4 m=36 s=3
